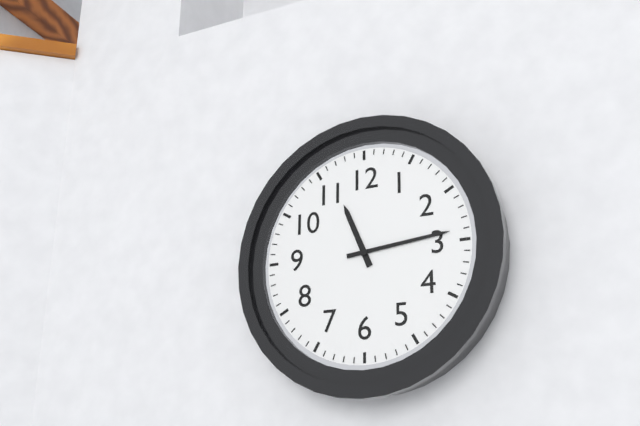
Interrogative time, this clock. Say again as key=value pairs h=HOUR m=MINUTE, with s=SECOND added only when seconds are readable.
h=11 m=14
